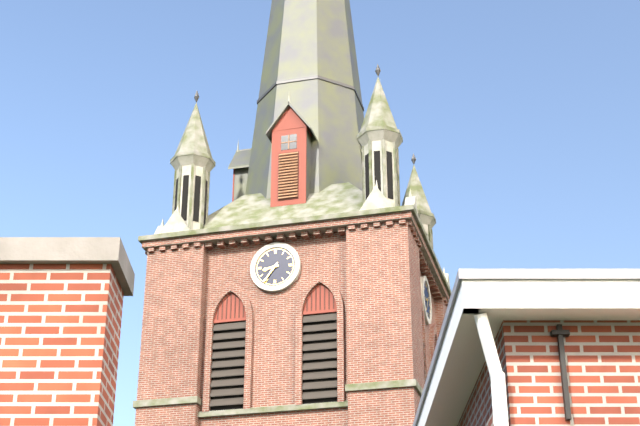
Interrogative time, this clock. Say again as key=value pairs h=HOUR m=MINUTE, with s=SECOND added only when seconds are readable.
h=8 m=36
